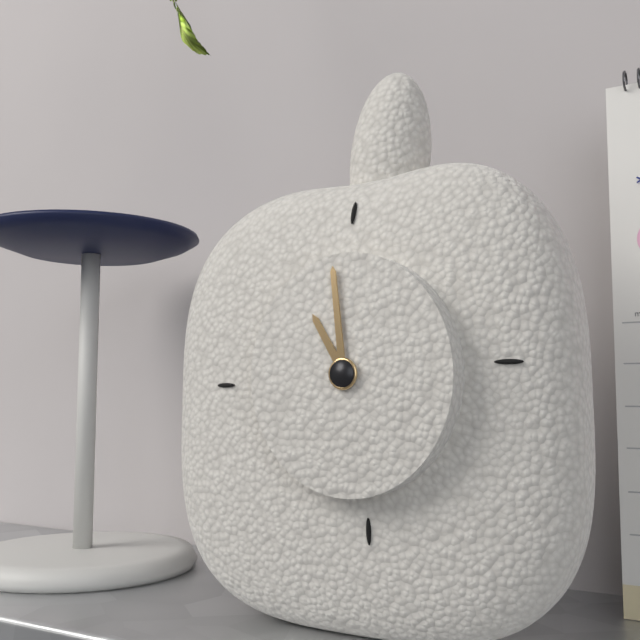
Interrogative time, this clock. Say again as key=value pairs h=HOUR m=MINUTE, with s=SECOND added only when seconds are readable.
h=10 m=59
